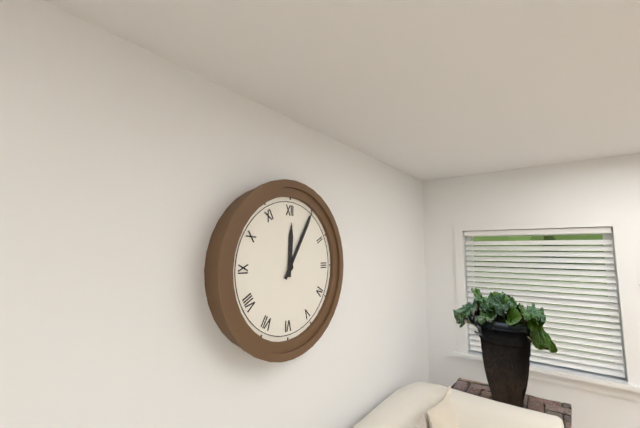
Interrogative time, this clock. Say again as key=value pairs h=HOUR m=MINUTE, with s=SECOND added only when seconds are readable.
h=12 m=5
